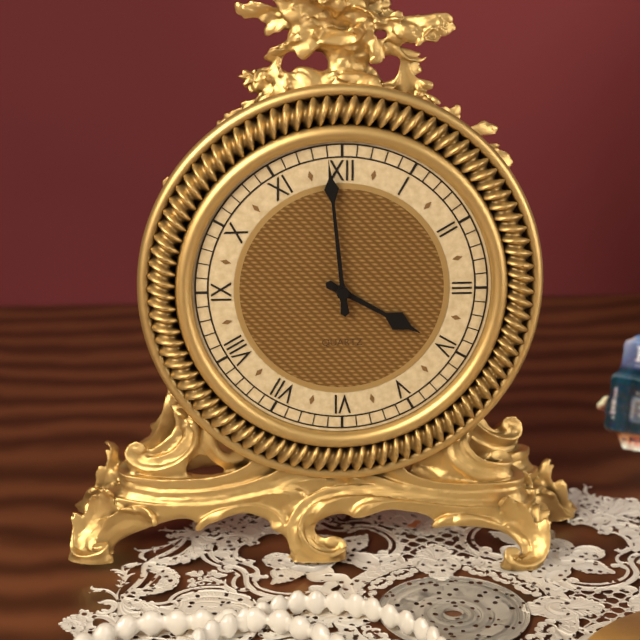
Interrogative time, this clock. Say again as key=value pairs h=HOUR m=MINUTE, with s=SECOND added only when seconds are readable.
h=3 m=59
